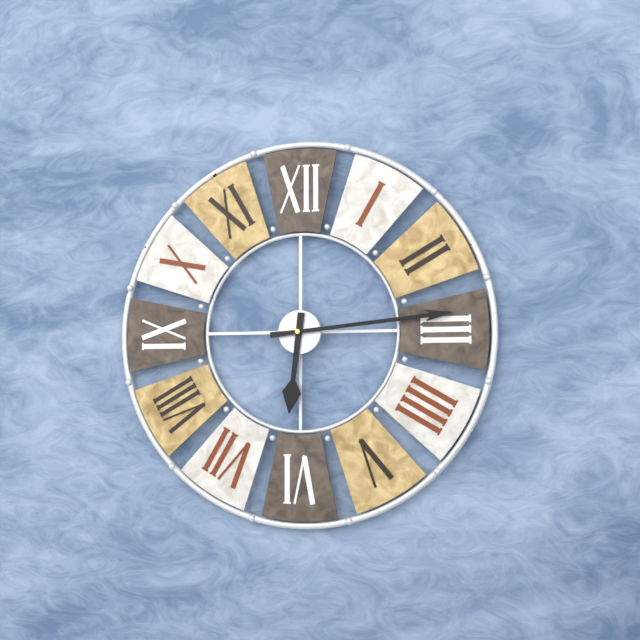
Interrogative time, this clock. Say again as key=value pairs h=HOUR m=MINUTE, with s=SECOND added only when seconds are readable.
h=6 m=14
